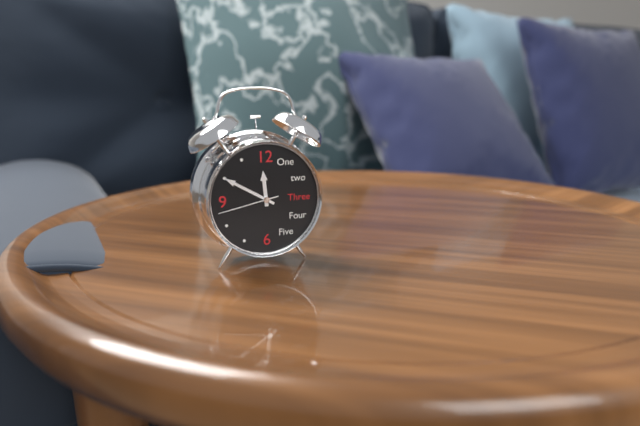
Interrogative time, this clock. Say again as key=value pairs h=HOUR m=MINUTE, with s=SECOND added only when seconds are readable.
h=11 m=50 s=43
